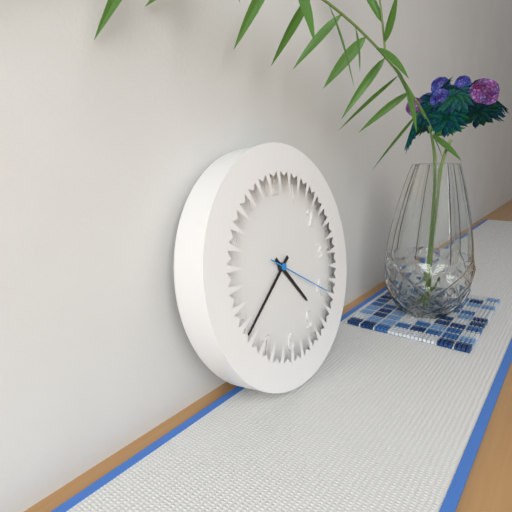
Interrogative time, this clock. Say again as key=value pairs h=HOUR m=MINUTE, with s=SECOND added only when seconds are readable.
h=4 m=39 s=20
